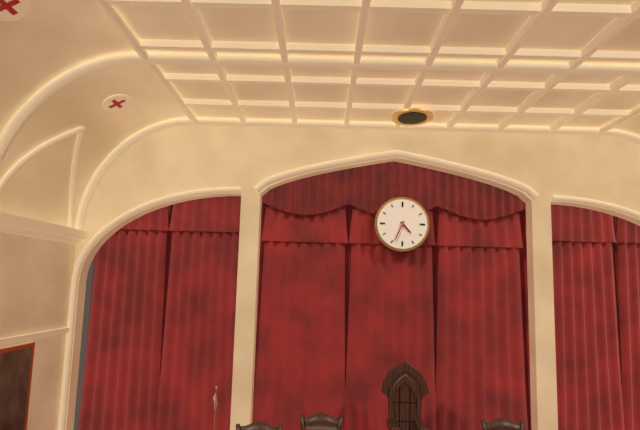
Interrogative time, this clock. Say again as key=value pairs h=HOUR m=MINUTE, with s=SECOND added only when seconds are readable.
h=4 m=34
